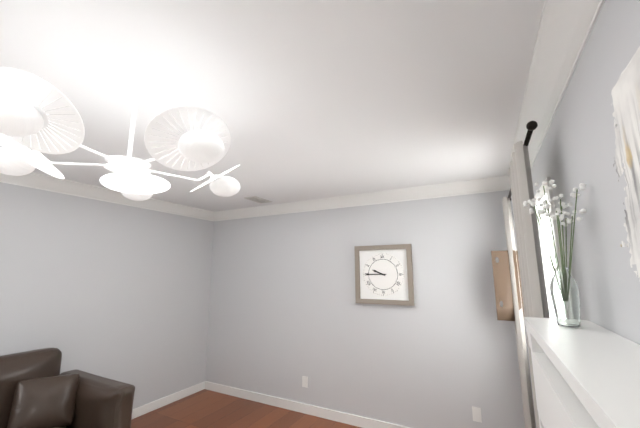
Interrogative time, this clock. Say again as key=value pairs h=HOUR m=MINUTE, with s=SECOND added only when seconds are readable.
h=9 m=45
